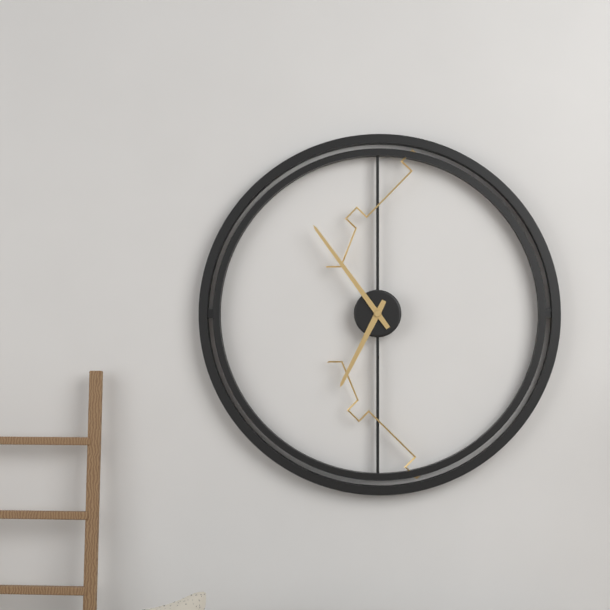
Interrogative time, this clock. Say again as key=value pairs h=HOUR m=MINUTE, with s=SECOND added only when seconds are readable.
h=6 m=54
